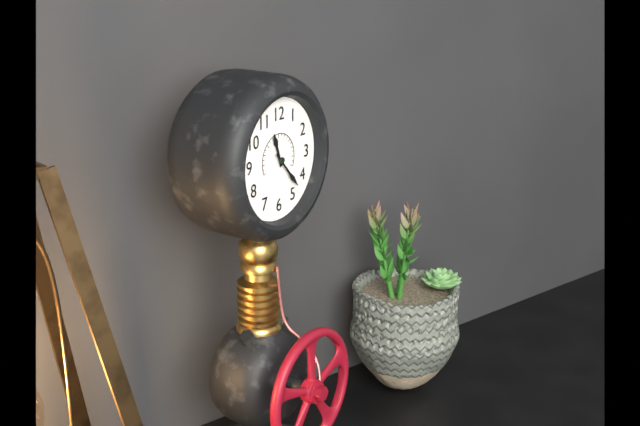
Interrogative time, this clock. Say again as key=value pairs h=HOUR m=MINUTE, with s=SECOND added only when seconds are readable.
h=11 m=23
